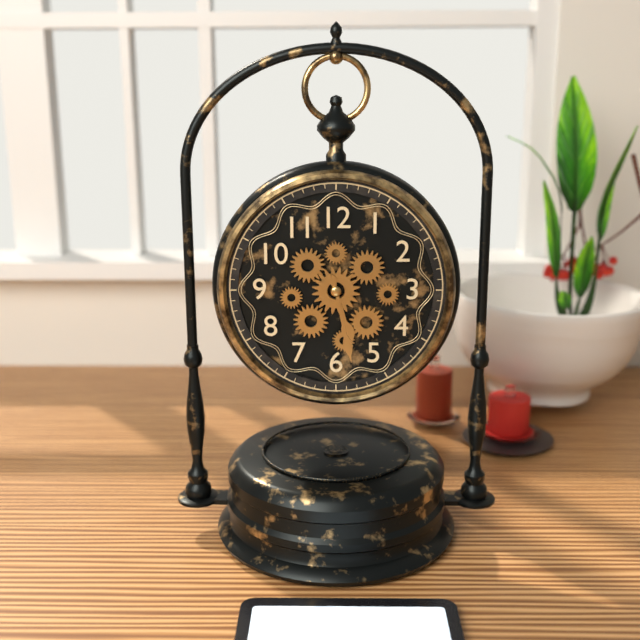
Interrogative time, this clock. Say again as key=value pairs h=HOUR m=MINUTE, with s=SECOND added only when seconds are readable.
h=5 m=28
